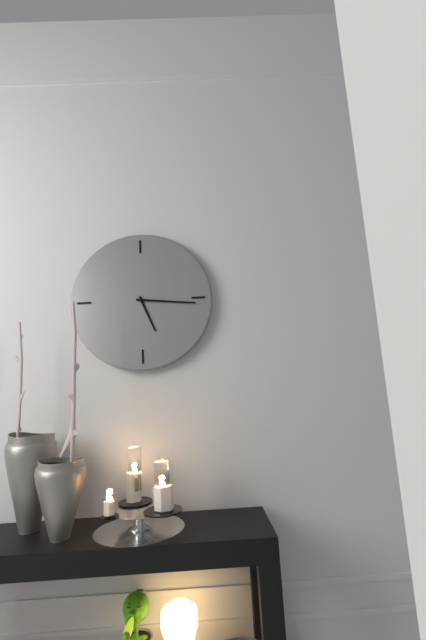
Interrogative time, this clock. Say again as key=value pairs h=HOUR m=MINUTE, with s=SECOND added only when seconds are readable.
h=5 m=16
